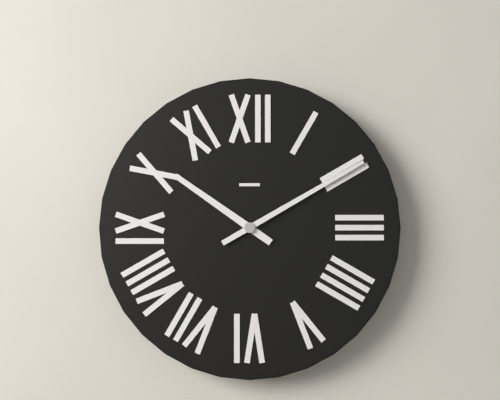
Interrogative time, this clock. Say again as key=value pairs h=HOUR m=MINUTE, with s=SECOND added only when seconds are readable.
h=10 m=10
